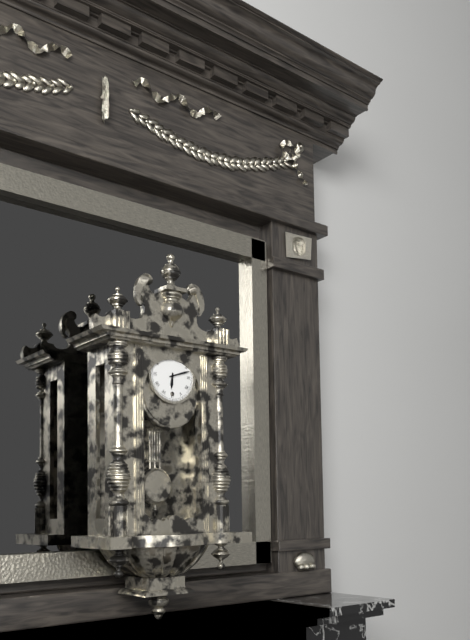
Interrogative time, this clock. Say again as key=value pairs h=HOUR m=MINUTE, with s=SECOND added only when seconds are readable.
h=6 m=12
